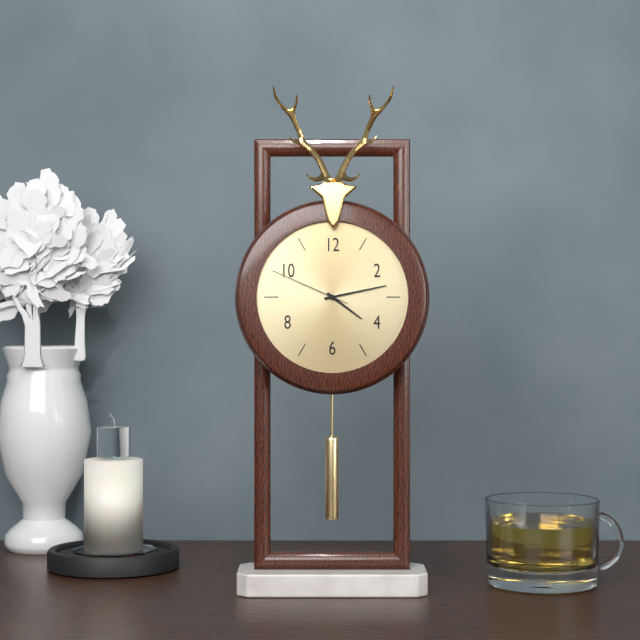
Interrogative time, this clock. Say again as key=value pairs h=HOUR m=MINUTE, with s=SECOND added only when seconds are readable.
h=4 m=13 s=49
